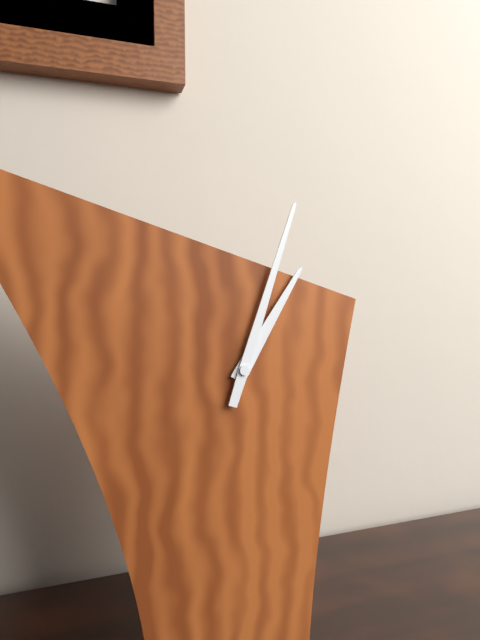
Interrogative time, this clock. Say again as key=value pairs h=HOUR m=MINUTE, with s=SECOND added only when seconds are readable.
h=1 m=3
